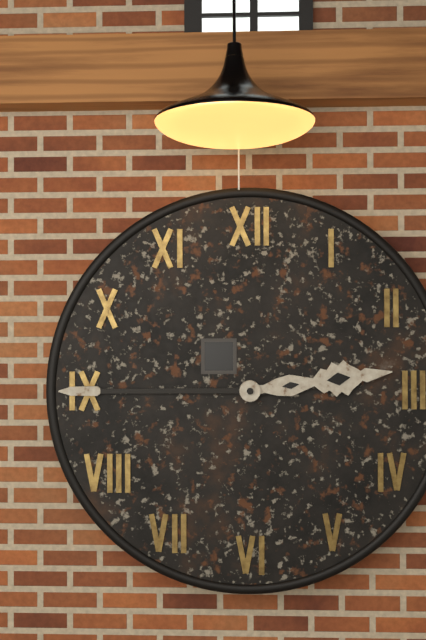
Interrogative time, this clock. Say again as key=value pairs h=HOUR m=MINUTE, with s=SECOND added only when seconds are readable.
h=2 m=45
